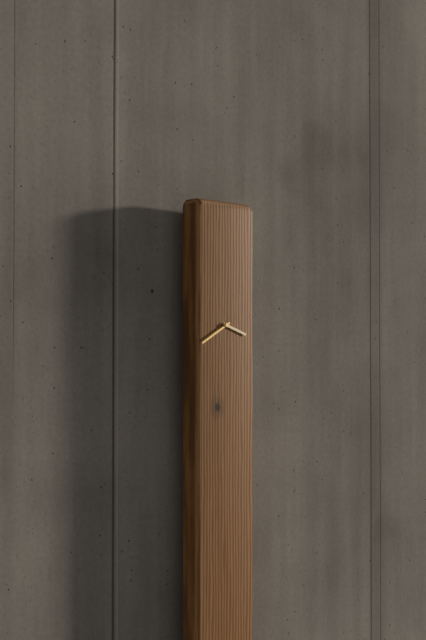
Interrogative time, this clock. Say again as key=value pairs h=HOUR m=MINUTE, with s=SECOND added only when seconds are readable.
h=3 m=40
